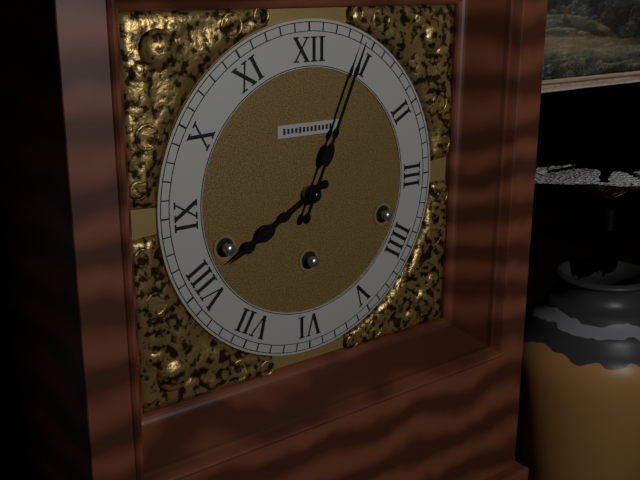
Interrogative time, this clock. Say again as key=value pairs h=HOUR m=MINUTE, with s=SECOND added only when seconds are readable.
h=8 m=4
